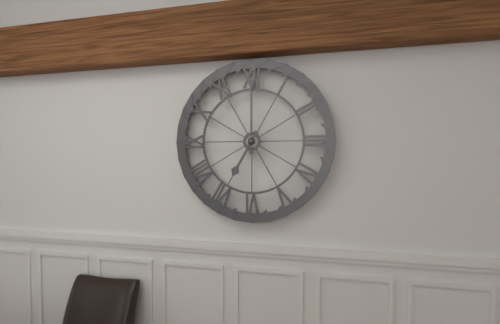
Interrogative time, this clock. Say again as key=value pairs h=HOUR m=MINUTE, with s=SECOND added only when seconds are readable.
h=7 m=0
